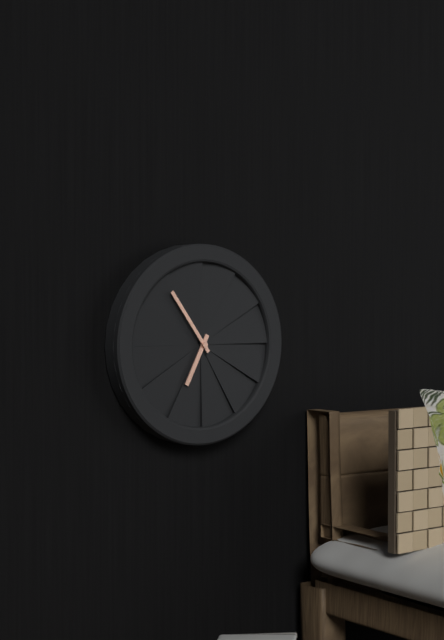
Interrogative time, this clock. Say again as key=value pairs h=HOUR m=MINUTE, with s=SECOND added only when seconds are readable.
h=6 m=54
